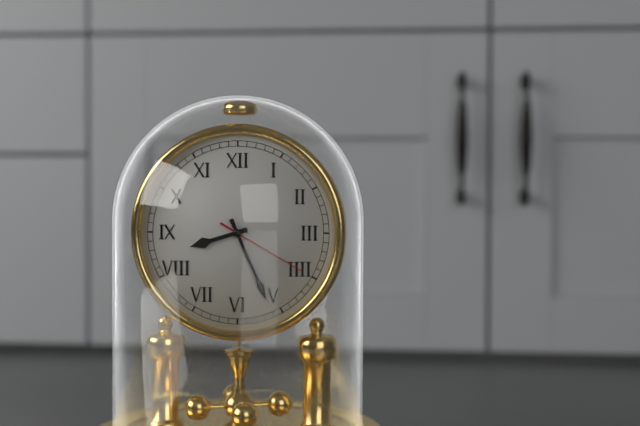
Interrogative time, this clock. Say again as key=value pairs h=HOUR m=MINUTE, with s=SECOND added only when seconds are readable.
h=8 m=26 s=20
